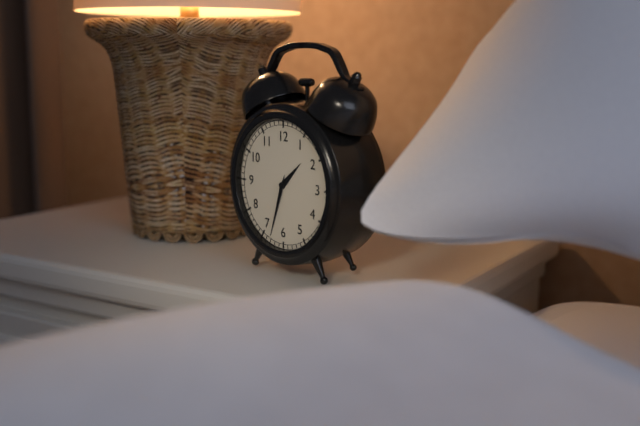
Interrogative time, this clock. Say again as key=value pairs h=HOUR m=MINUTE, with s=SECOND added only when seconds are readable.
h=1 m=33
